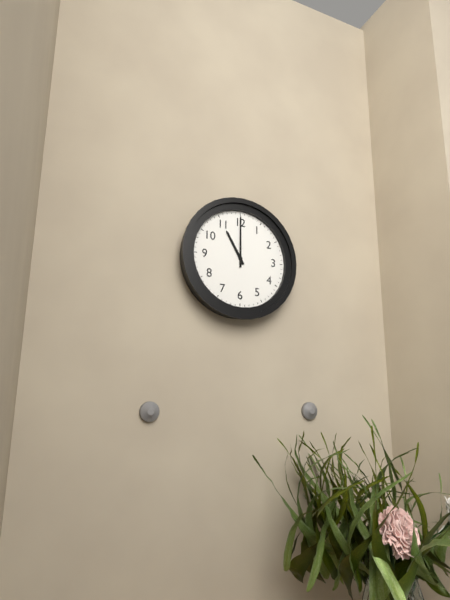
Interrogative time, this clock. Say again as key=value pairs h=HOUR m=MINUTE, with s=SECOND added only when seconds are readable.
h=11 m=0
